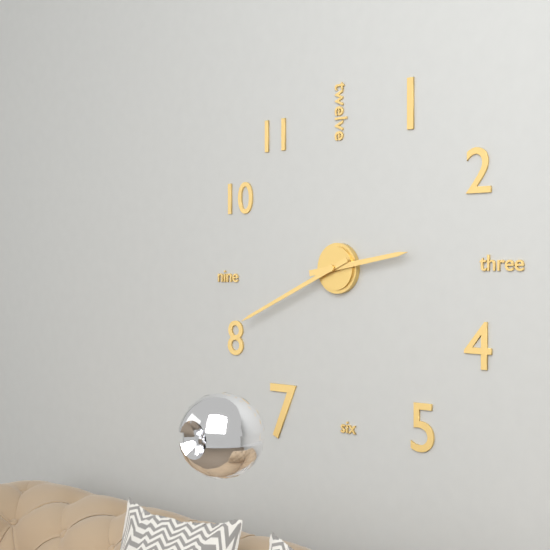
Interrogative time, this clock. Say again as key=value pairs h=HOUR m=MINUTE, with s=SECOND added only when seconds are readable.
h=2 m=41
